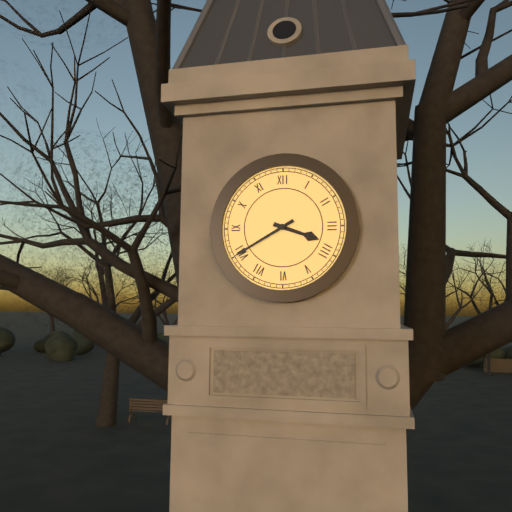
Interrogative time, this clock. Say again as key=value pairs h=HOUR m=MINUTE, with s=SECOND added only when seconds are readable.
h=3 m=40
